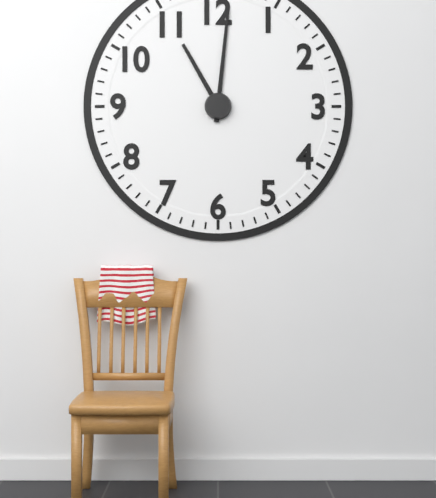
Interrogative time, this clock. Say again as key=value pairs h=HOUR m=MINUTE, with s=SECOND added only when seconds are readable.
h=11 m=1
